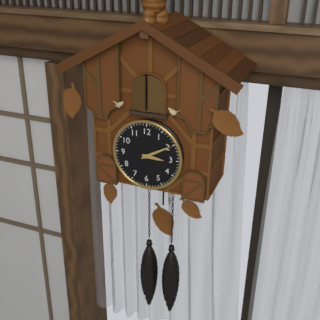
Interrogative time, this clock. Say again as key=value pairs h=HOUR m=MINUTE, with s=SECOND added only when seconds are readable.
h=3 m=10
